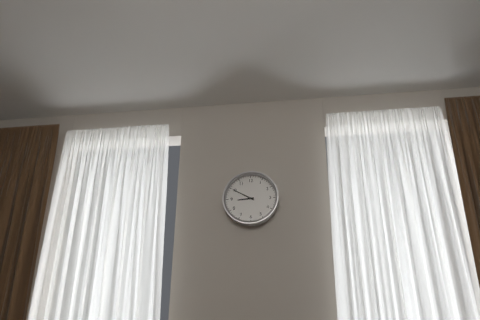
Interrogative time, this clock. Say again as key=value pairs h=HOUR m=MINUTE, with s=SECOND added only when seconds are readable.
h=8 m=50
